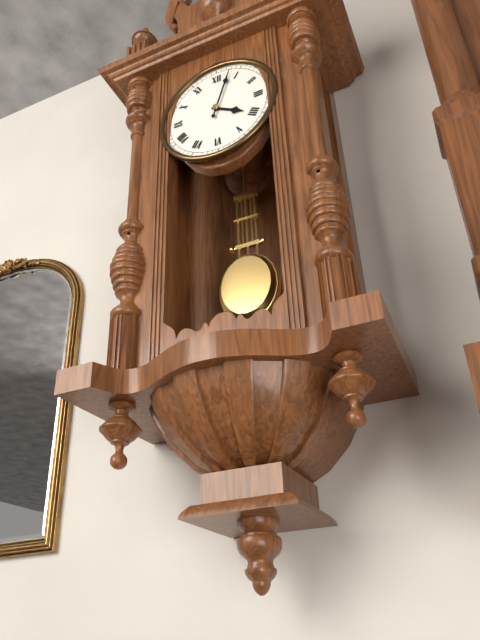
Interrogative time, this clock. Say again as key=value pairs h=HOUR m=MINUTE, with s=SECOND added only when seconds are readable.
h=4 m=3
